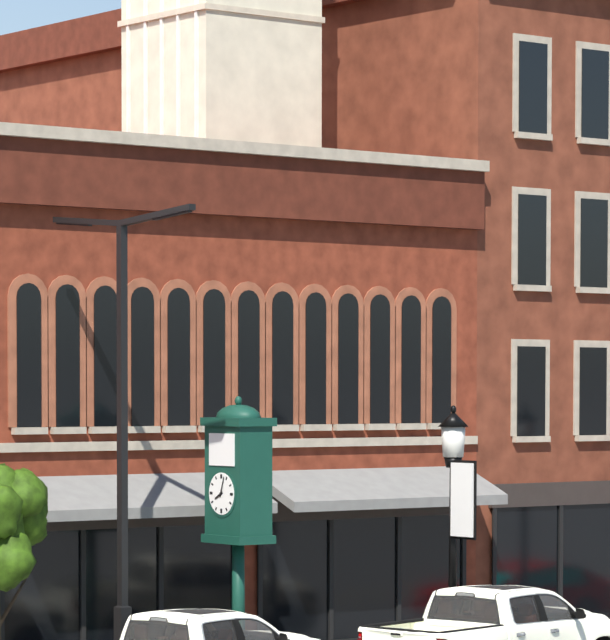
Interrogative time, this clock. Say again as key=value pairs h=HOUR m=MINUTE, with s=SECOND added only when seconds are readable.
h=8 m=3
